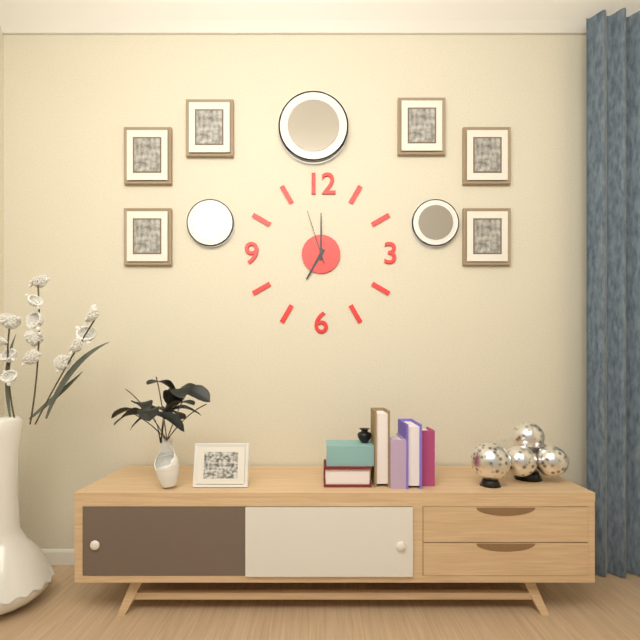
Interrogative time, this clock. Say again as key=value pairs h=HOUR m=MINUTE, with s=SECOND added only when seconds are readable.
h=7 m=0 s=57
